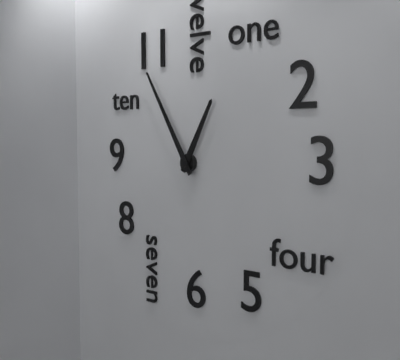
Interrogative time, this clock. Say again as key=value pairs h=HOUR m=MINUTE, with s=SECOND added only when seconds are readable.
h=12 m=55
